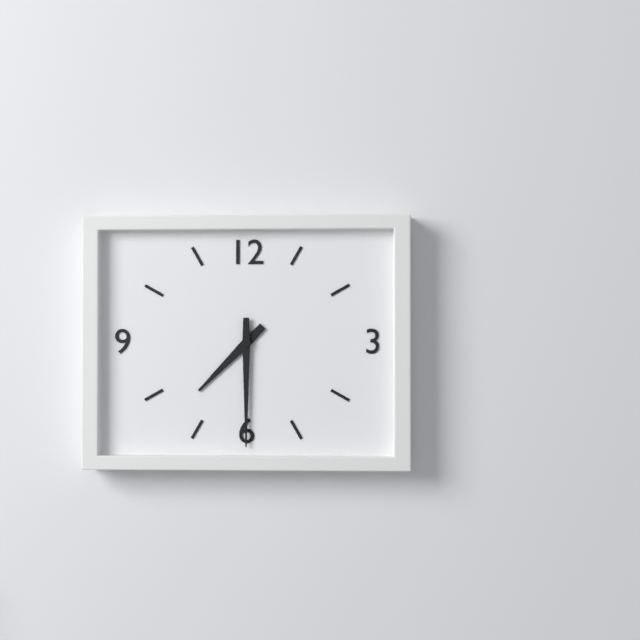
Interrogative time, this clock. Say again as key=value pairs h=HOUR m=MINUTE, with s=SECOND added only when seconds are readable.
h=7 m=30
